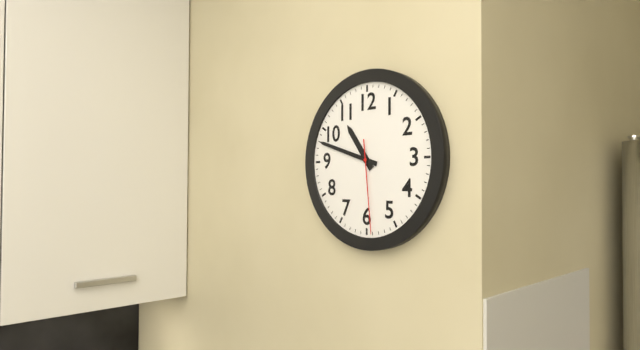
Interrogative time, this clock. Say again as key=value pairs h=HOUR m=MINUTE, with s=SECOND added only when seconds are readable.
h=10 m=48 s=29
